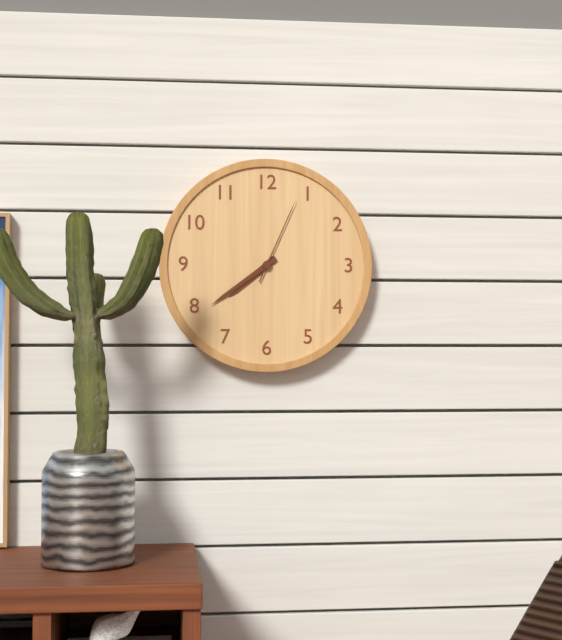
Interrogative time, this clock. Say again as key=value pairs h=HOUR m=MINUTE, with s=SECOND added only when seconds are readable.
h=7 m=39 s=4
